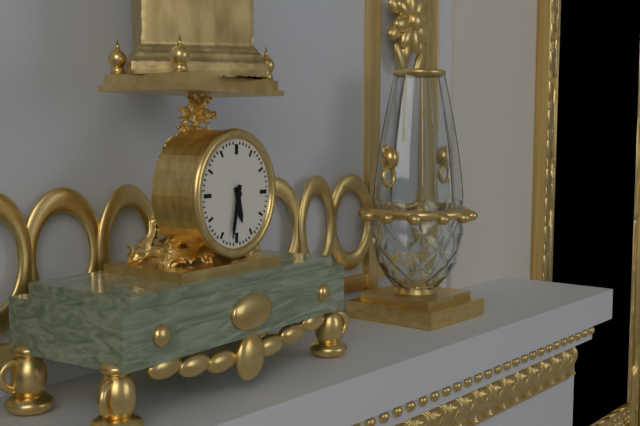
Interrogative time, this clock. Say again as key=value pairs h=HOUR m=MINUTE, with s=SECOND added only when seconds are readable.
h=5 m=32
